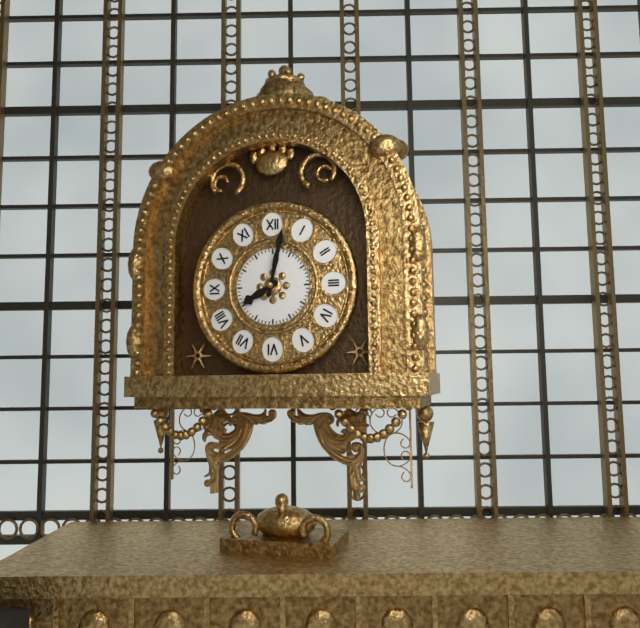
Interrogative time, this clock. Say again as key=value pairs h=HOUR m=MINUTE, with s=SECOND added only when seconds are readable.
h=8 m=2
